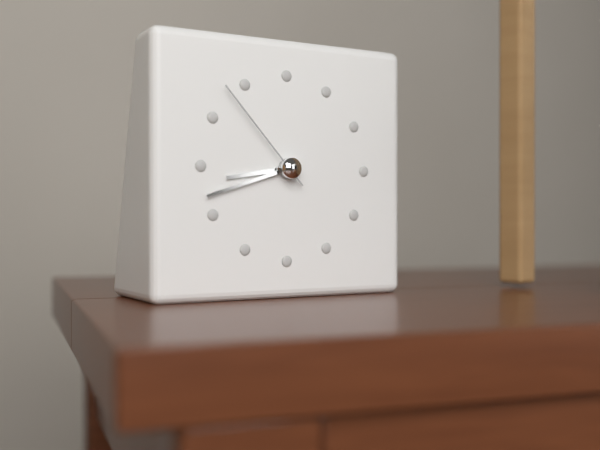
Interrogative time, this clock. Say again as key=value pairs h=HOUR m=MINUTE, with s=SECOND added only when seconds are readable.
h=8 m=42 s=53
